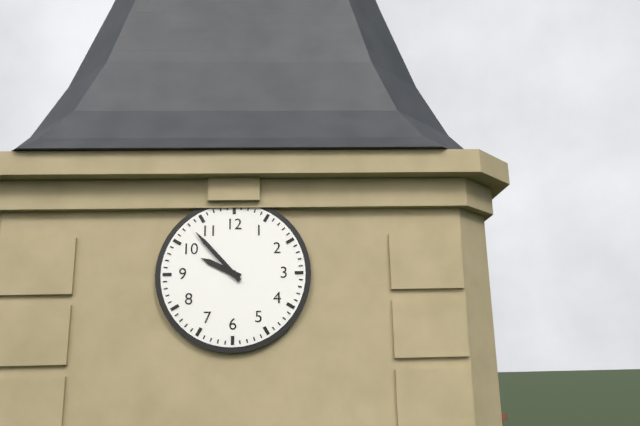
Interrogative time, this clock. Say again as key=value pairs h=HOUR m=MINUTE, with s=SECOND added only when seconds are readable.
h=9 m=53
